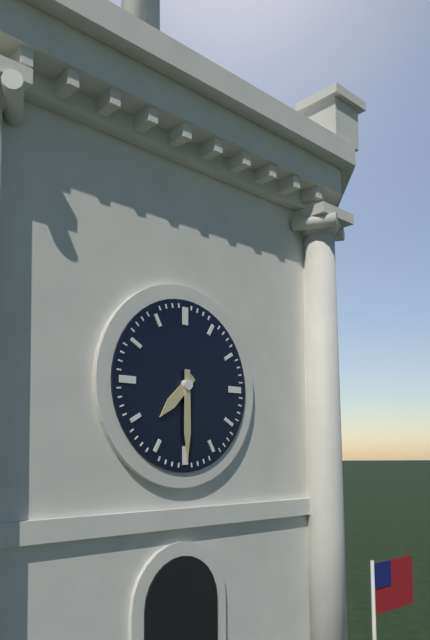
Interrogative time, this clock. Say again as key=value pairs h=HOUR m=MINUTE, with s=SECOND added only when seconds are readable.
h=7 m=30
